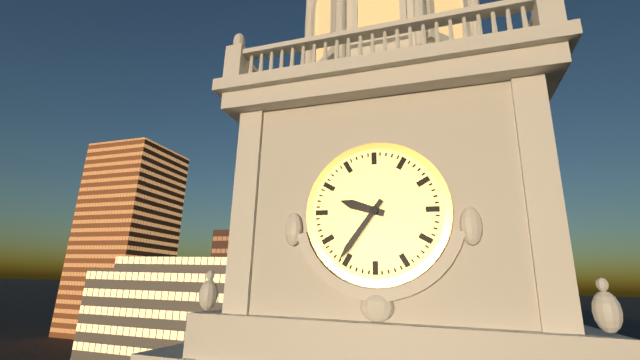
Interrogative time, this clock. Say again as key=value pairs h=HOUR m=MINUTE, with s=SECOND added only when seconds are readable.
h=9 m=36
